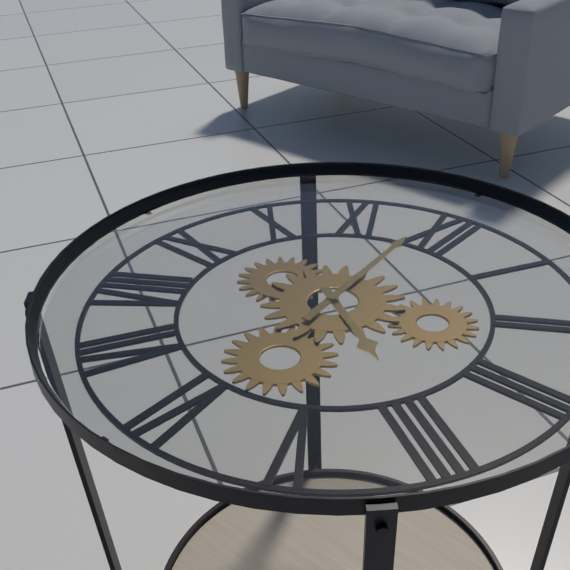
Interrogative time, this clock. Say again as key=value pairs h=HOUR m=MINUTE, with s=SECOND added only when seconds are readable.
h=3 m=59
